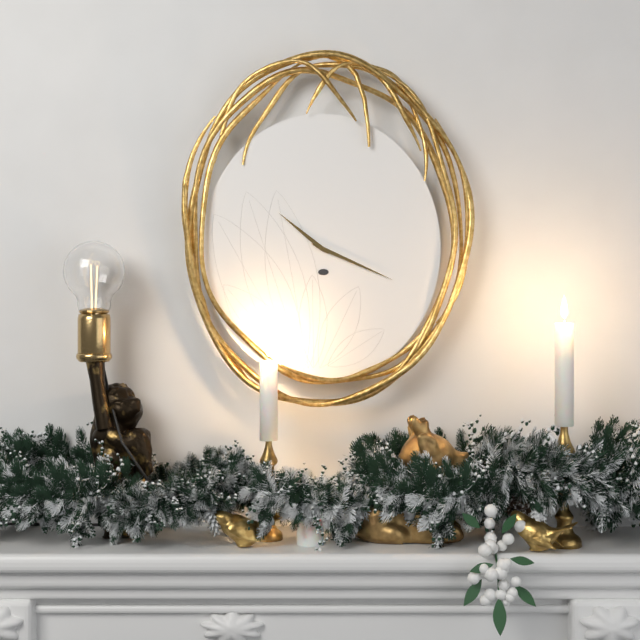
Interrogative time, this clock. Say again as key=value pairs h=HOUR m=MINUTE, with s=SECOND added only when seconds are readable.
h=10 m=19
